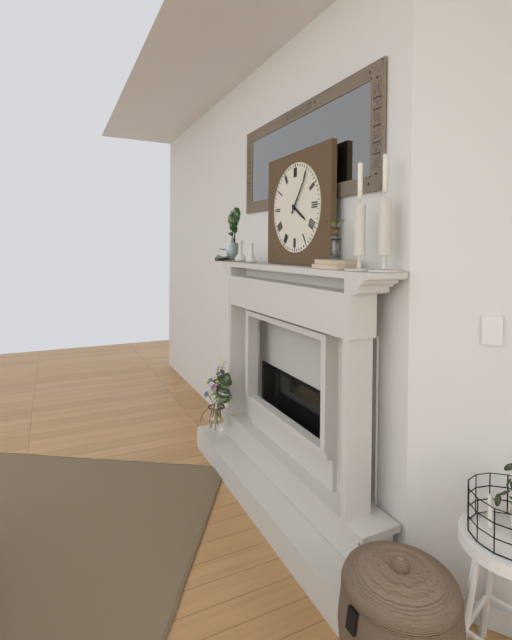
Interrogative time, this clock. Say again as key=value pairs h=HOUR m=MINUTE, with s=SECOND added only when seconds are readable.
h=4 m=6
